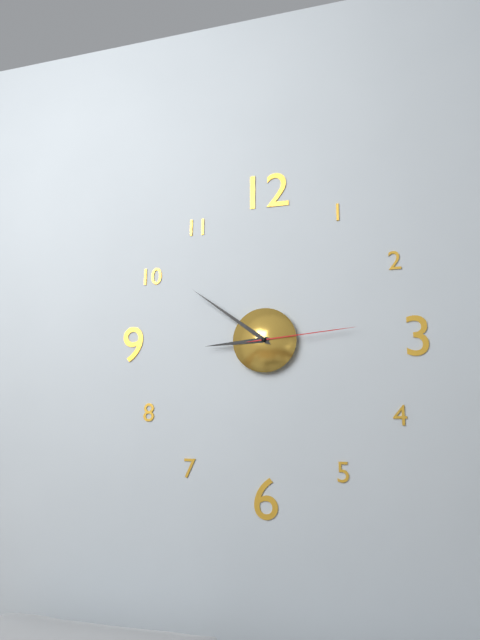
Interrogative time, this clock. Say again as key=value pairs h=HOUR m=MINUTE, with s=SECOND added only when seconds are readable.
h=8 m=51 s=14
